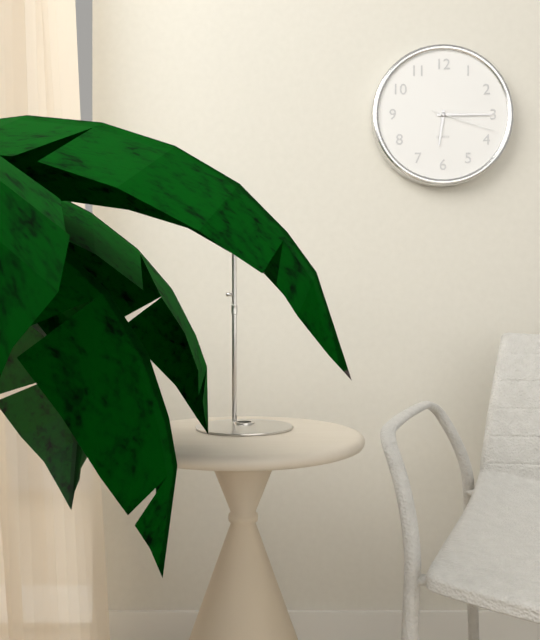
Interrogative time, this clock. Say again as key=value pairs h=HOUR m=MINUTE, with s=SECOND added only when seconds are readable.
h=6 m=15 s=18
